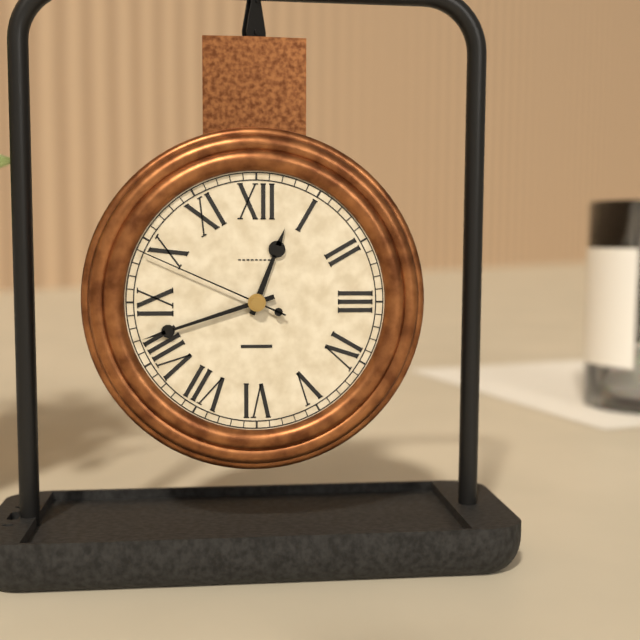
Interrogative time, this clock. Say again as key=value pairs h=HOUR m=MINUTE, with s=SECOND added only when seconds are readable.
h=12 m=42 s=49
